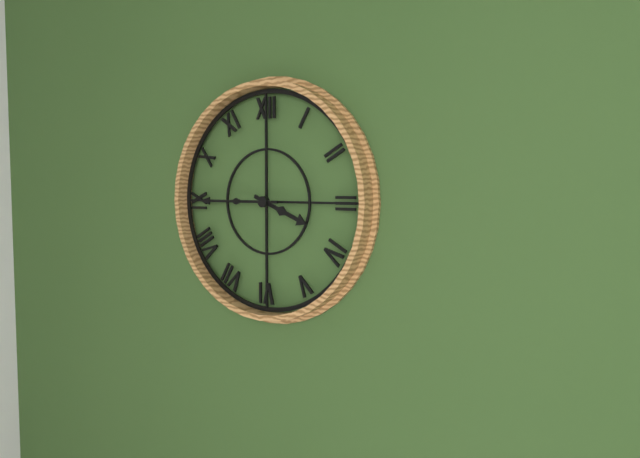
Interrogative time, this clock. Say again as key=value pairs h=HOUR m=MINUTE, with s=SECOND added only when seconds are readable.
h=3 m=45
